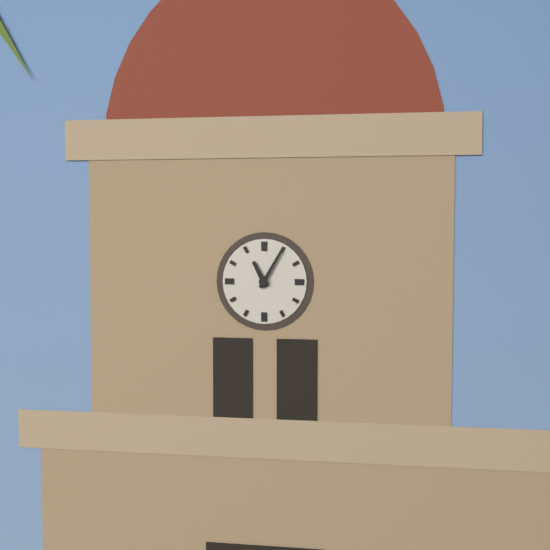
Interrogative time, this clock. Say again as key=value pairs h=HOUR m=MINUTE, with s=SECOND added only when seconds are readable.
h=11 m=5
